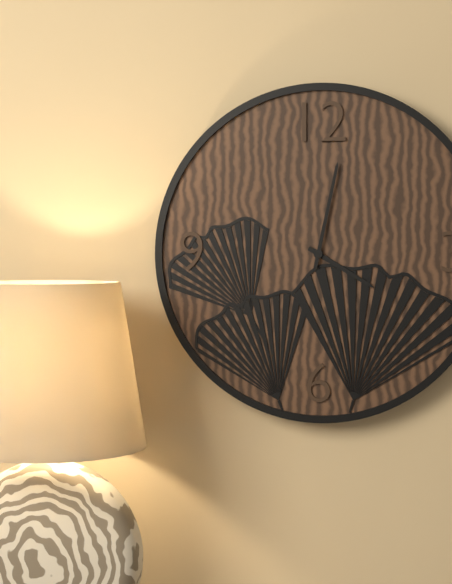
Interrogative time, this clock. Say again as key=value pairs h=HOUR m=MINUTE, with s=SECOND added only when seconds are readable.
h=4 m=2
